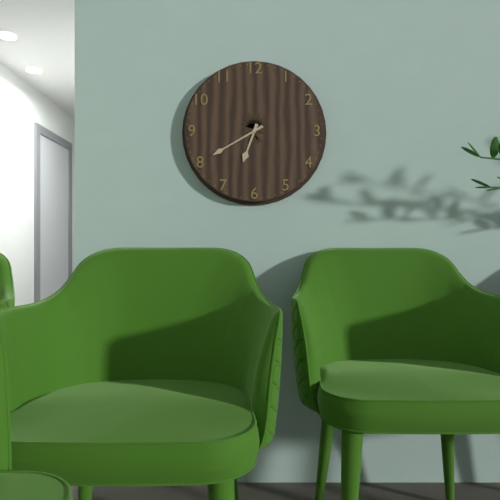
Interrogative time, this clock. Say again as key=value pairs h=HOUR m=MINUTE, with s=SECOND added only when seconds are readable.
h=6 m=40
